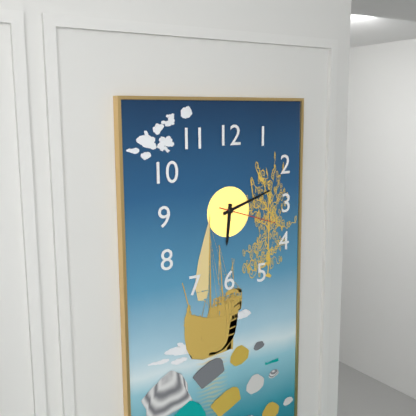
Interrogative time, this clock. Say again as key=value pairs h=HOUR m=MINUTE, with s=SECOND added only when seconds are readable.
h=6 m=12 s=18
